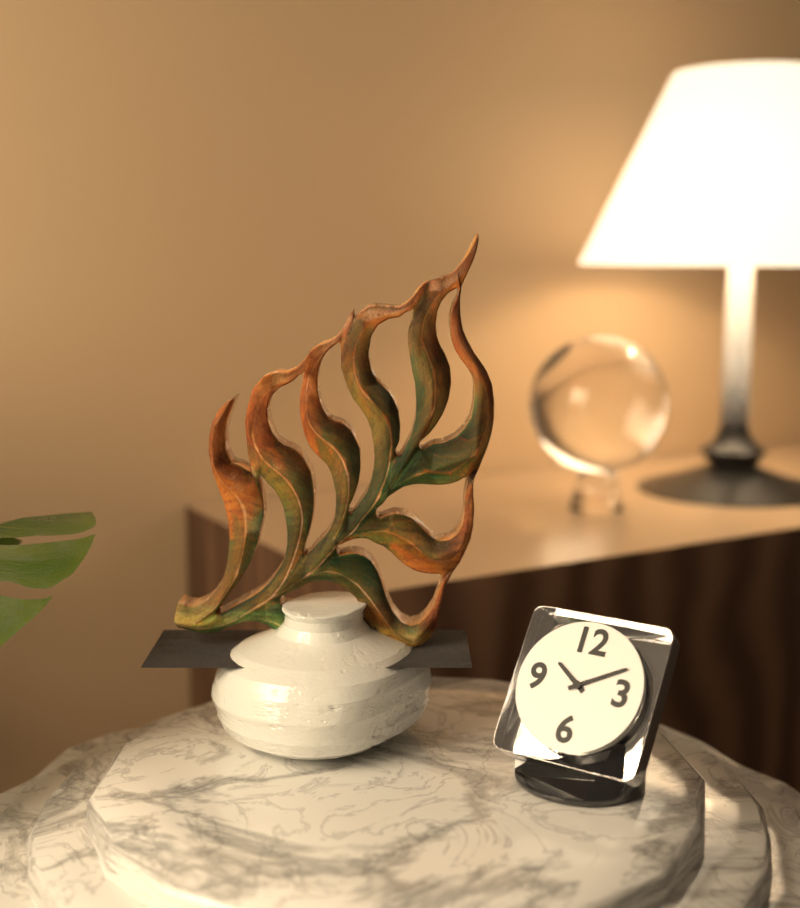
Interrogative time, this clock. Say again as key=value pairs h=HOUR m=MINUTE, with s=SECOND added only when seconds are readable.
h=10 m=10
